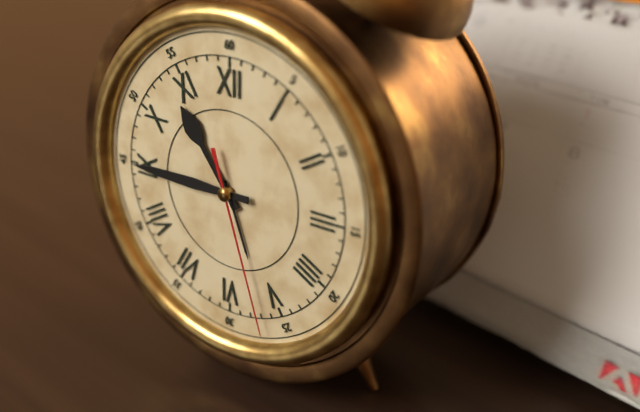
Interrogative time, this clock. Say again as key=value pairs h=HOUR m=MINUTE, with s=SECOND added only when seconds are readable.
h=10 m=45 s=27
